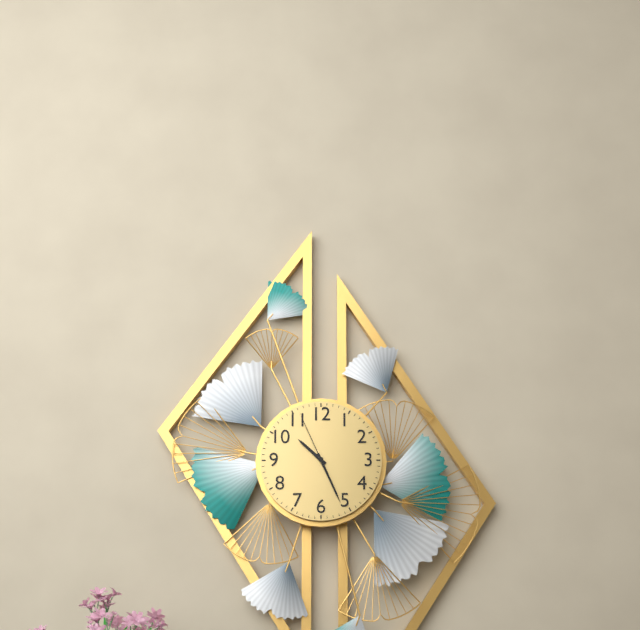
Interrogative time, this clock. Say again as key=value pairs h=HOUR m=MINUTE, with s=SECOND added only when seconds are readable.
h=10 m=26 s=56
